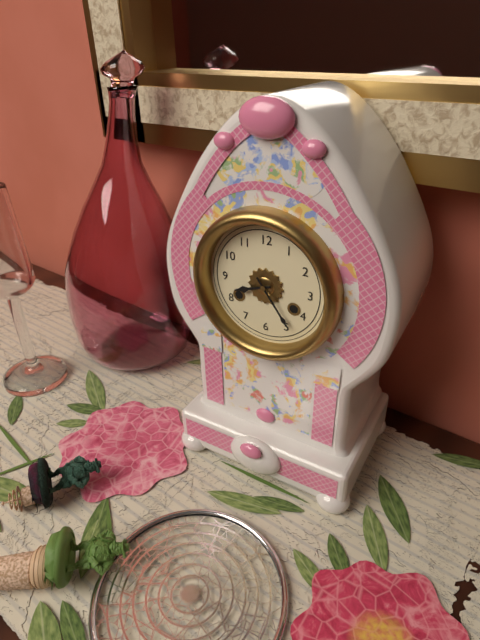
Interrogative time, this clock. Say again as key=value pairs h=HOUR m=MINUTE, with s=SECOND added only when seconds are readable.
h=8 m=24
